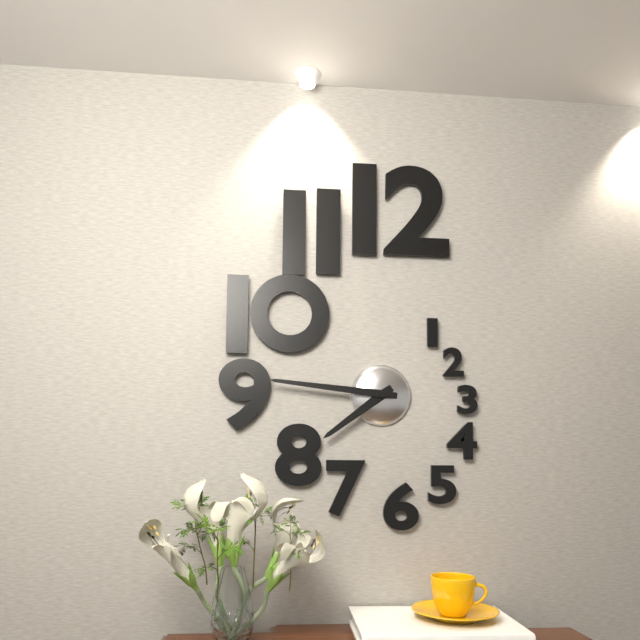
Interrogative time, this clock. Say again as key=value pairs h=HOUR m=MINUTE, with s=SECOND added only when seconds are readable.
h=7 m=46
